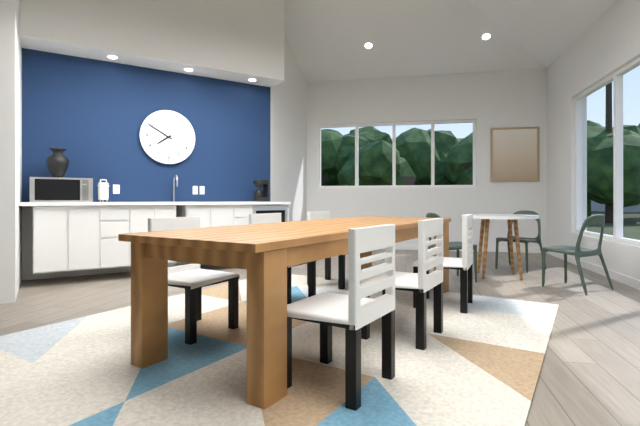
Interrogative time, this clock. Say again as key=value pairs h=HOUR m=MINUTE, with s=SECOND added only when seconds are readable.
h=7 m=50
